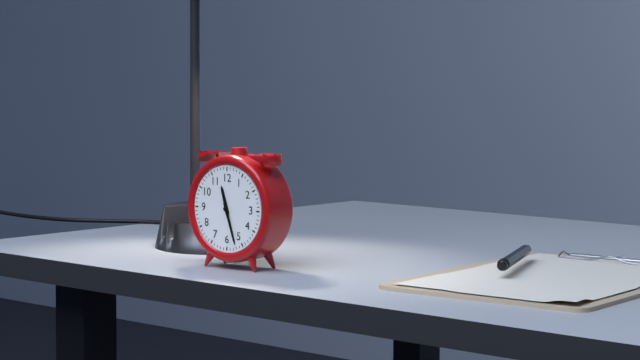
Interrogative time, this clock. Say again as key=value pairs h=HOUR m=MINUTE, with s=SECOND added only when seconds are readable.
h=11 m=27
